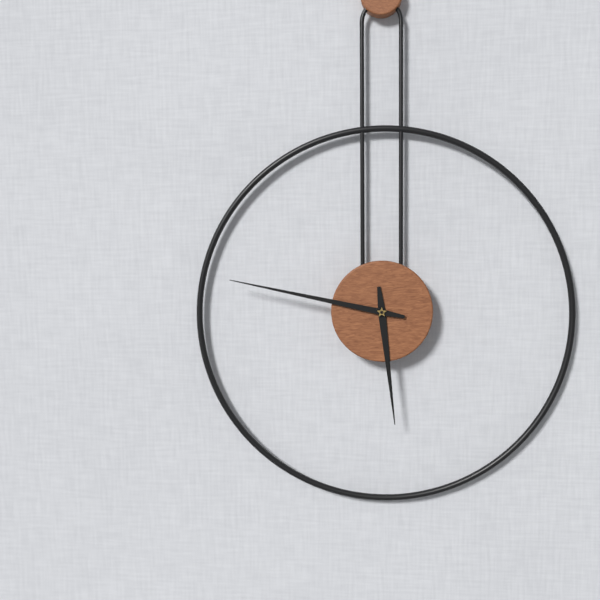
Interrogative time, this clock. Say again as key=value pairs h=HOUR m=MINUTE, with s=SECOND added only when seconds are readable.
h=5 m=47
